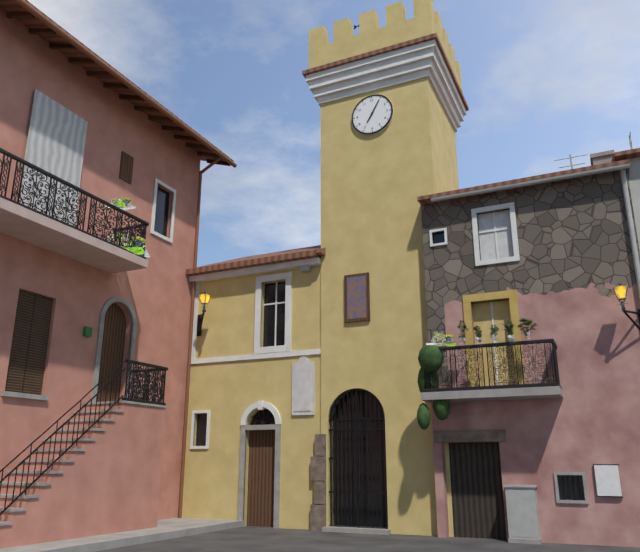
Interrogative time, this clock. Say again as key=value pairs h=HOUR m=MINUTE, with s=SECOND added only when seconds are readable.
h=7 m=5
